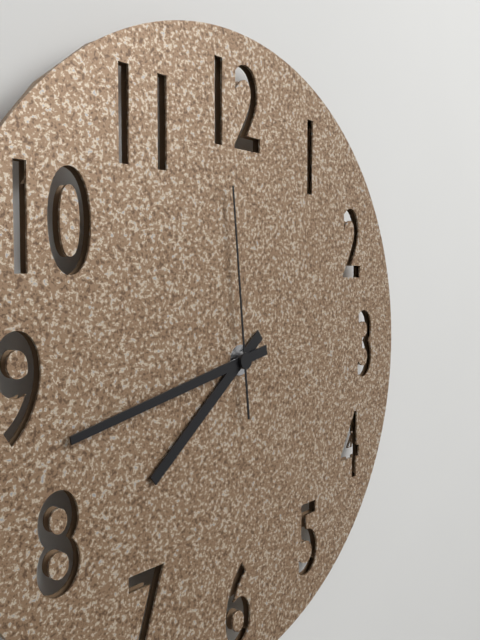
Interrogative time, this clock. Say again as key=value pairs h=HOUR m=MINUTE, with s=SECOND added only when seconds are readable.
h=7 m=43 s=59
